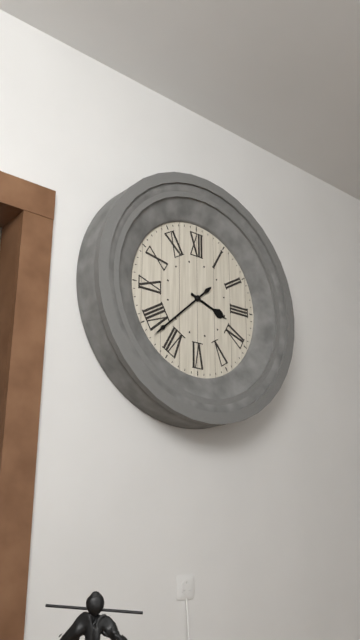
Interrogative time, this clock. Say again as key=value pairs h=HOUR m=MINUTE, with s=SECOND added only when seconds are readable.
h=3 m=38
